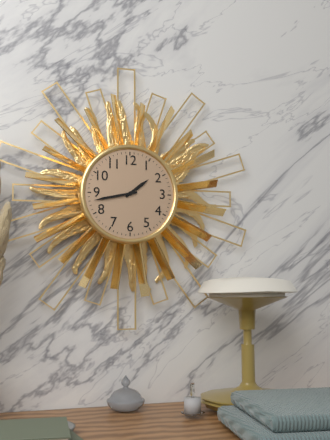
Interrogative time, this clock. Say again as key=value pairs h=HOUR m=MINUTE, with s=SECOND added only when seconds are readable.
h=1 m=43
